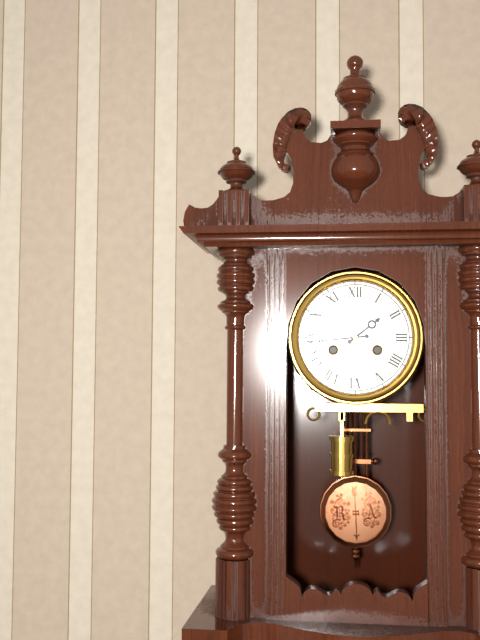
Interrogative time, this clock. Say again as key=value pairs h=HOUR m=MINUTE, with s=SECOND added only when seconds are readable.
h=1 m=44
